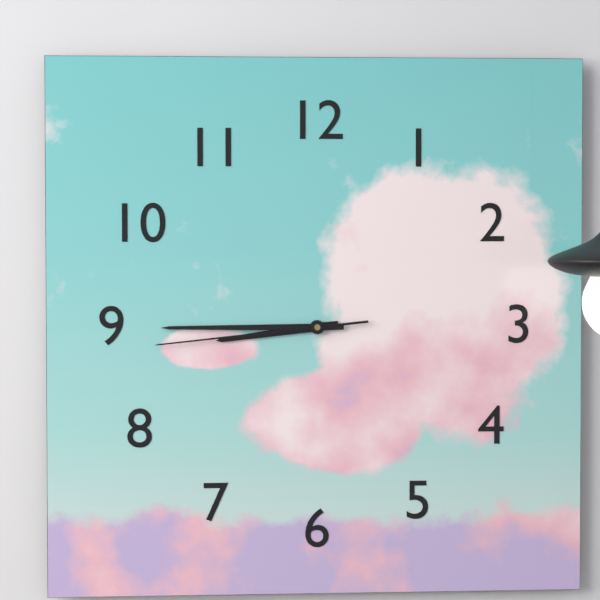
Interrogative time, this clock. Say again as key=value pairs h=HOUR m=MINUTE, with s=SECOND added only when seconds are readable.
h=8 m=45 s=44
